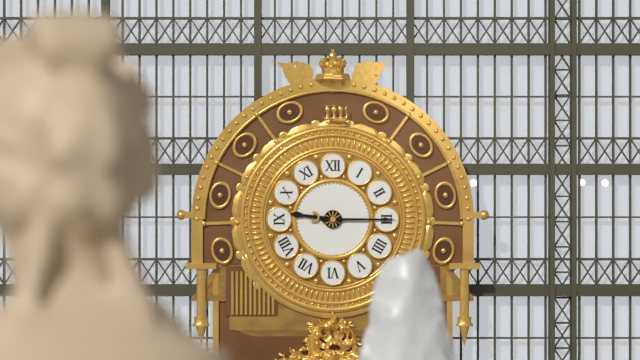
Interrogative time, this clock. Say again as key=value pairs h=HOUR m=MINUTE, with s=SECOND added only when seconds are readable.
h=9 m=15
